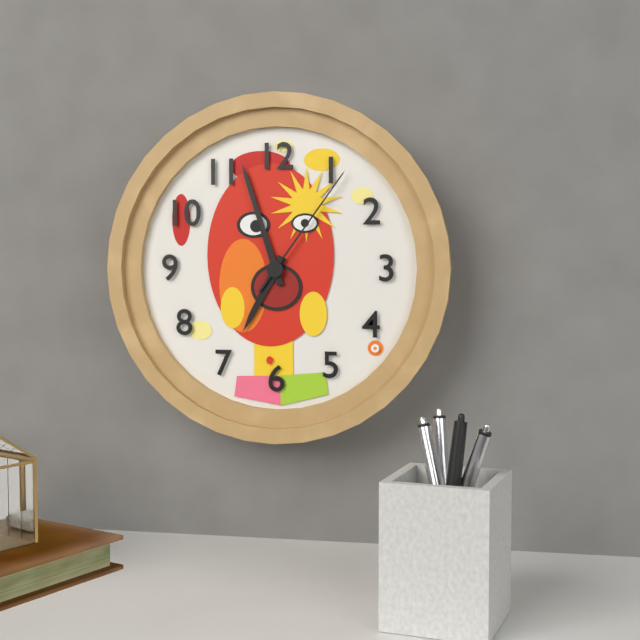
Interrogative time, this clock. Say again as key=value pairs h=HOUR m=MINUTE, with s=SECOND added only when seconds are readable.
h=6 m=57 s=6
